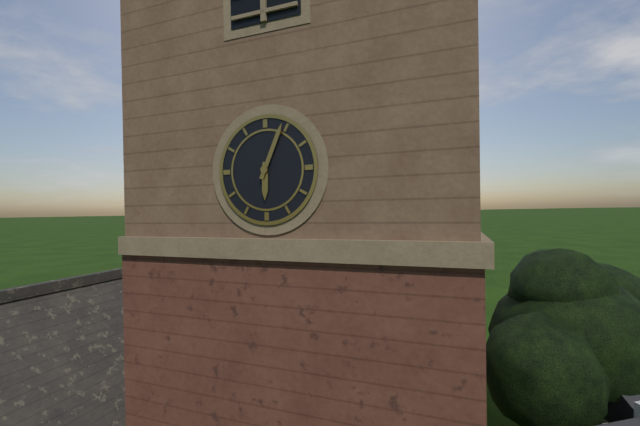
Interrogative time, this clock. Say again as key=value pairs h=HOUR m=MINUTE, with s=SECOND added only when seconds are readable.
h=6 m=4
